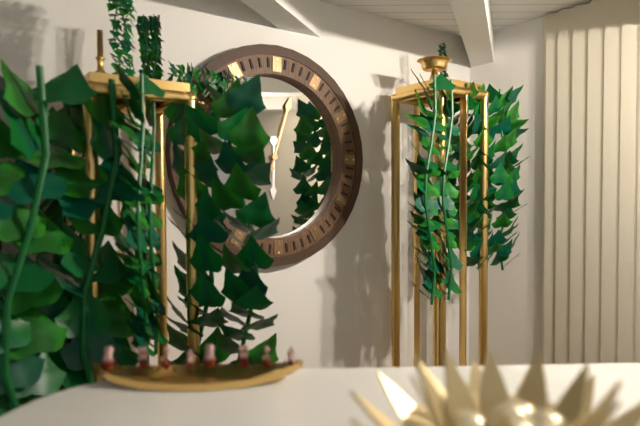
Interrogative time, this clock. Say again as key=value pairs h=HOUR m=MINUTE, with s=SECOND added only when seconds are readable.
h=6 m=3
